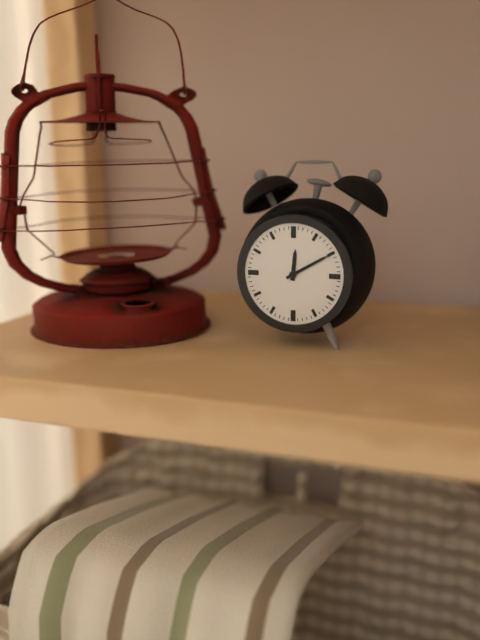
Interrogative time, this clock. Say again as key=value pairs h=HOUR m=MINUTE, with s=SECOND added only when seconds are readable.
h=12 m=10
